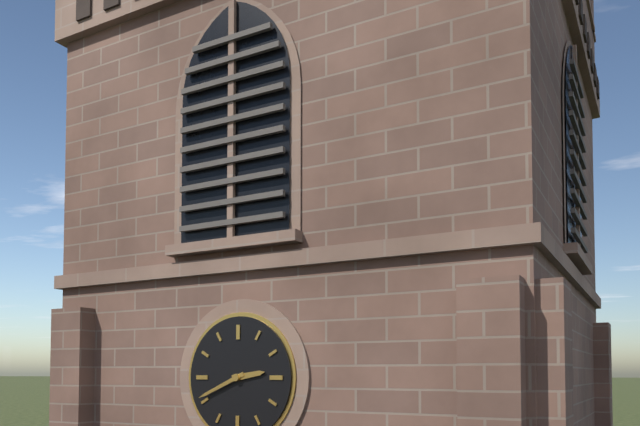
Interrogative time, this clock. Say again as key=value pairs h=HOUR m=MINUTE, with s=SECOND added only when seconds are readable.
h=2 m=41
